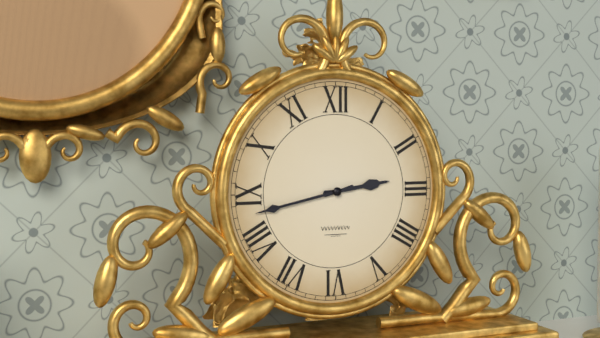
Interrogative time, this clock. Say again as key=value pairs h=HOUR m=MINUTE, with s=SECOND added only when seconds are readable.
h=2 m=43
